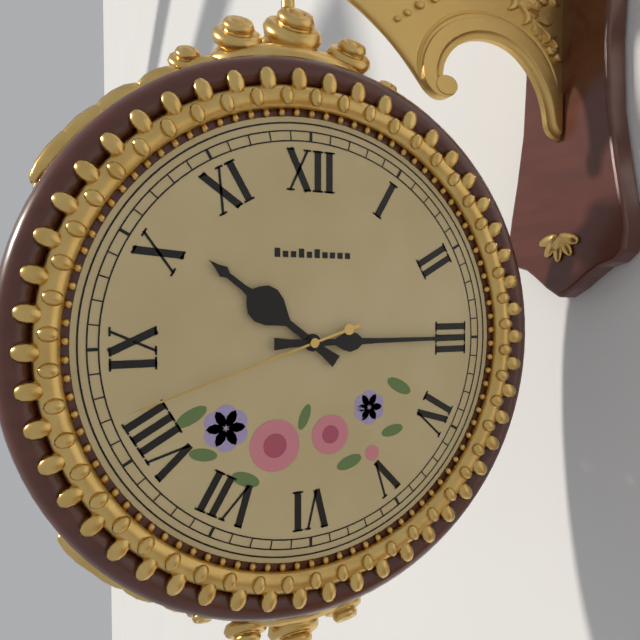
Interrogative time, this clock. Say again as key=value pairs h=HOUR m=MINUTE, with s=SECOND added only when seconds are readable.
h=10 m=15 s=42
